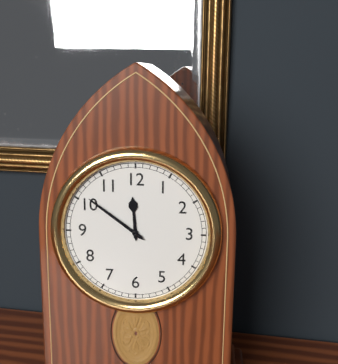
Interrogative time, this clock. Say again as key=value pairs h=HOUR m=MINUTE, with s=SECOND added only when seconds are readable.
h=11 m=51
